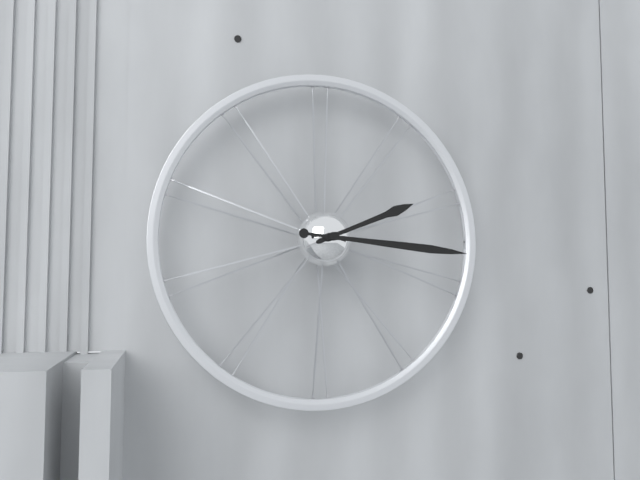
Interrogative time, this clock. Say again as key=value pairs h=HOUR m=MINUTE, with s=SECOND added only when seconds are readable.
h=2 m=16
